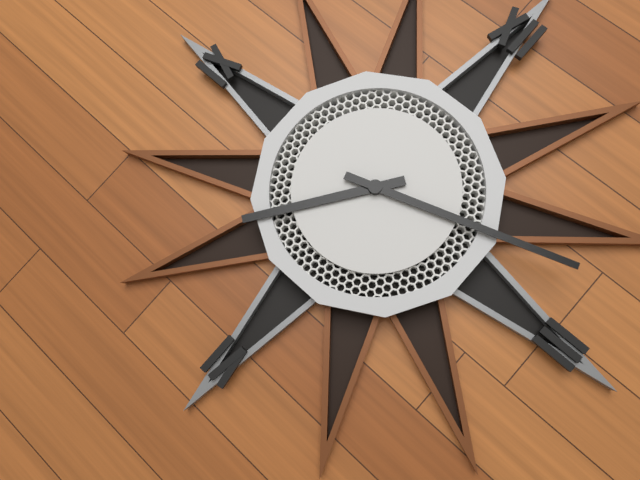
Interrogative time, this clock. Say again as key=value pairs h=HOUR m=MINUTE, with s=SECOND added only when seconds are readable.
h=7 m=12
